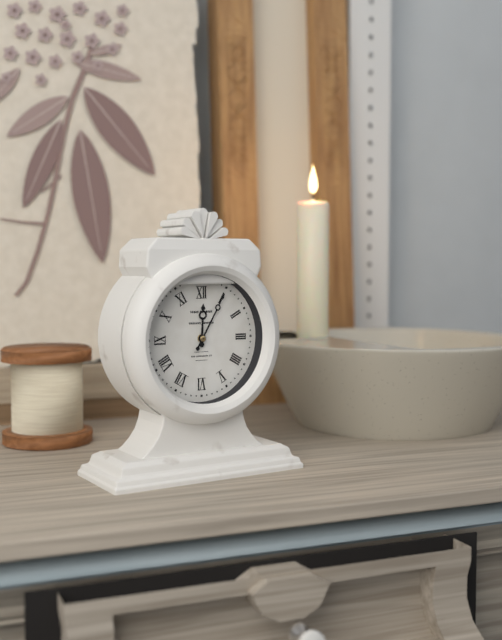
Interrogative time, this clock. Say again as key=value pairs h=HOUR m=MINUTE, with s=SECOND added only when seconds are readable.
h=12 m=5
